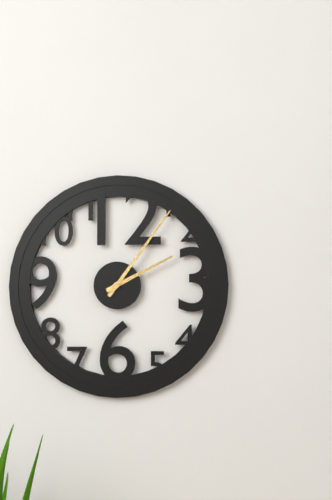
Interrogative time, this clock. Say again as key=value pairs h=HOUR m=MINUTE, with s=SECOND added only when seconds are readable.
h=2 m=6
